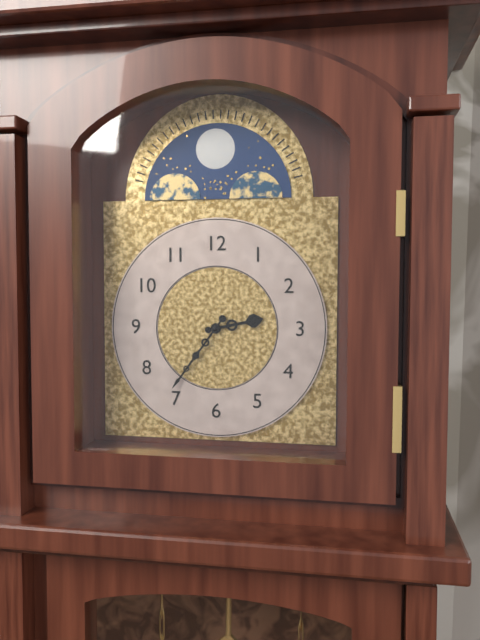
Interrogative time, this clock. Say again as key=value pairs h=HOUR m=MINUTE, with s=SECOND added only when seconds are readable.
h=2 m=36
